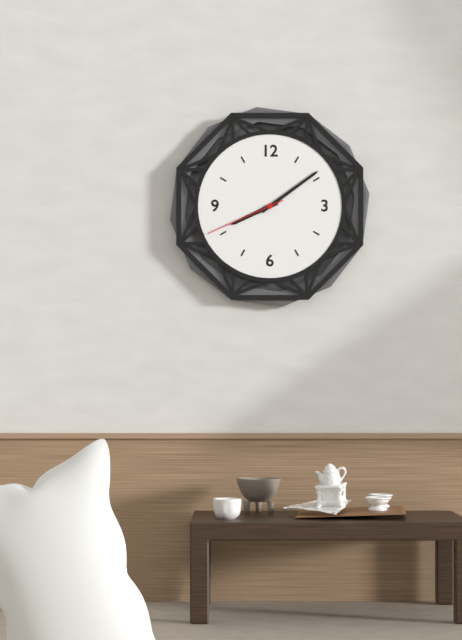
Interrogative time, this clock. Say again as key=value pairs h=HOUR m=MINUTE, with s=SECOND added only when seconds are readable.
h=8 m=9 s=41
